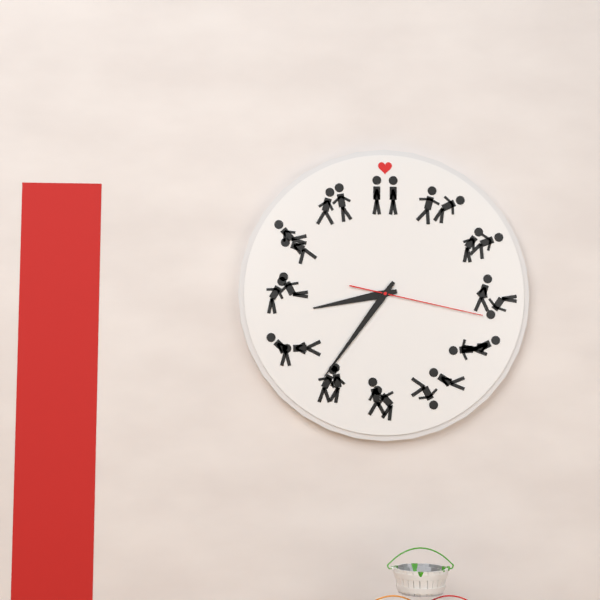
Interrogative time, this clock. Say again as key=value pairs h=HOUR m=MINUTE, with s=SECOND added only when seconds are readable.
h=8 m=36 s=17
